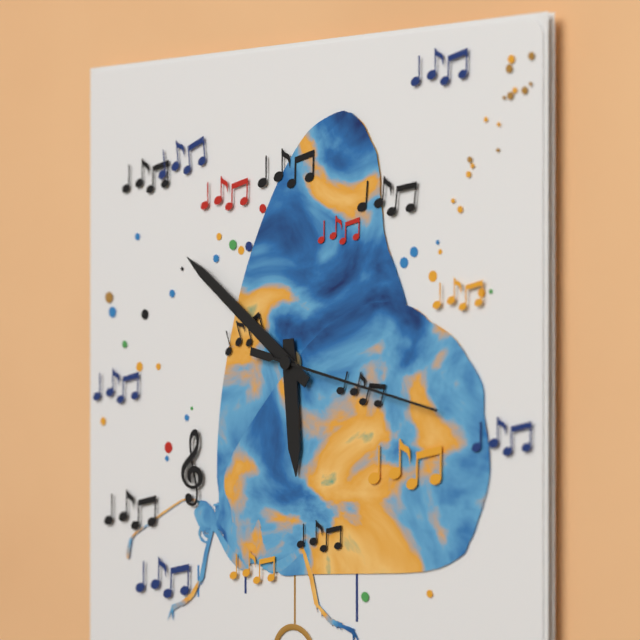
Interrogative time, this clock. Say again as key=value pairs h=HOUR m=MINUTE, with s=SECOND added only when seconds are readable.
h=5 m=51 s=17
